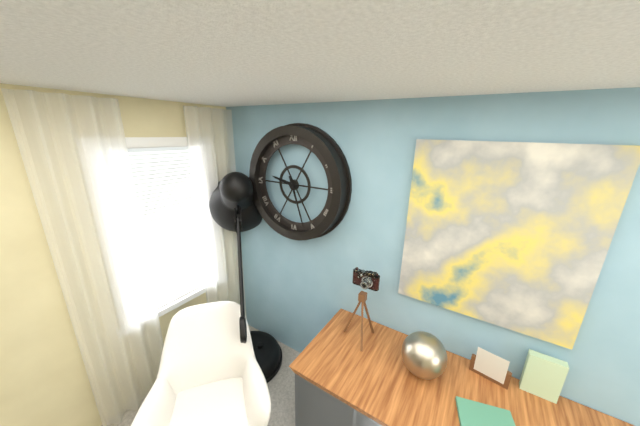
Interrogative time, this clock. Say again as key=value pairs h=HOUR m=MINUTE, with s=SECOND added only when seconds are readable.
h=9 m=27
